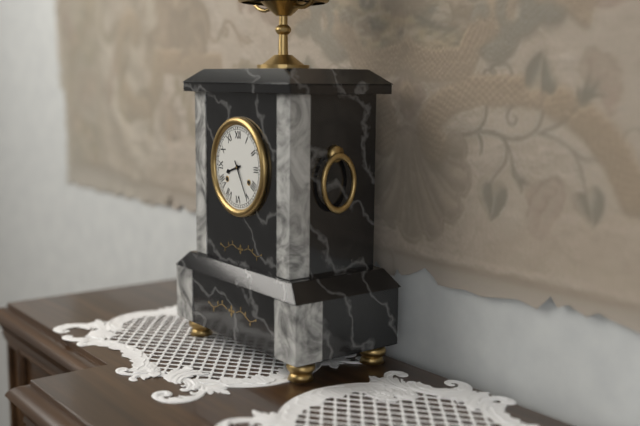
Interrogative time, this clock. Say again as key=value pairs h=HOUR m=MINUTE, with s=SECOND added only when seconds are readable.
h=8 m=25
